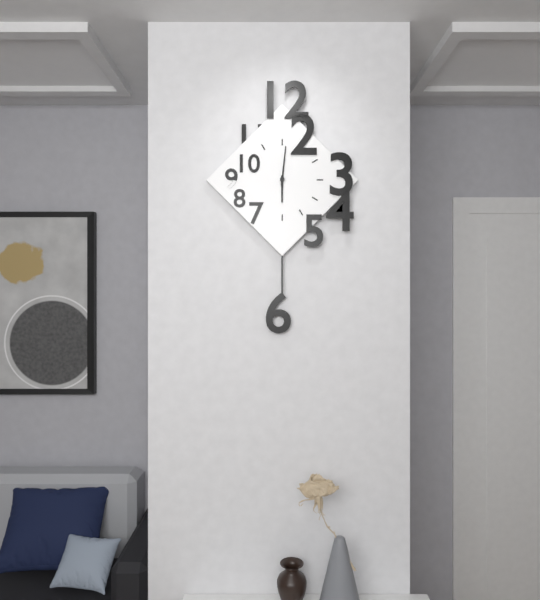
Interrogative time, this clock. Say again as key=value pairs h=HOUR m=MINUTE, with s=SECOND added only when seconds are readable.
h=6 m=1
